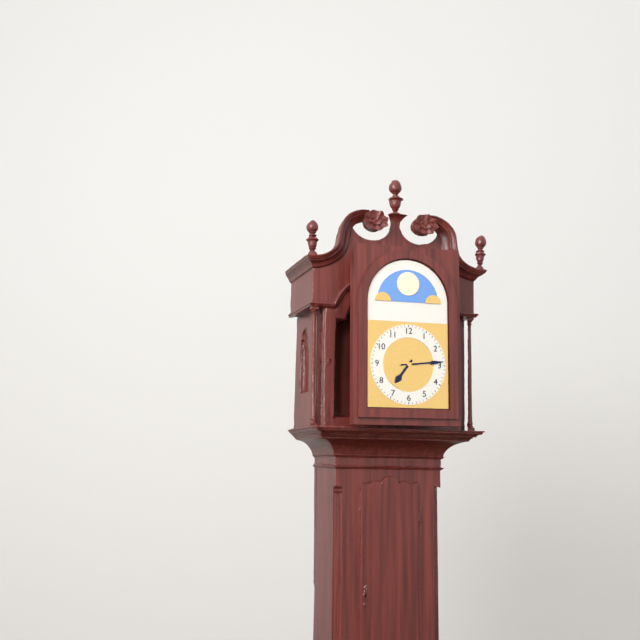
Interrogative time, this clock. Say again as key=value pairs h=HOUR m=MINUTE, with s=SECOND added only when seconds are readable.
h=7 m=14
